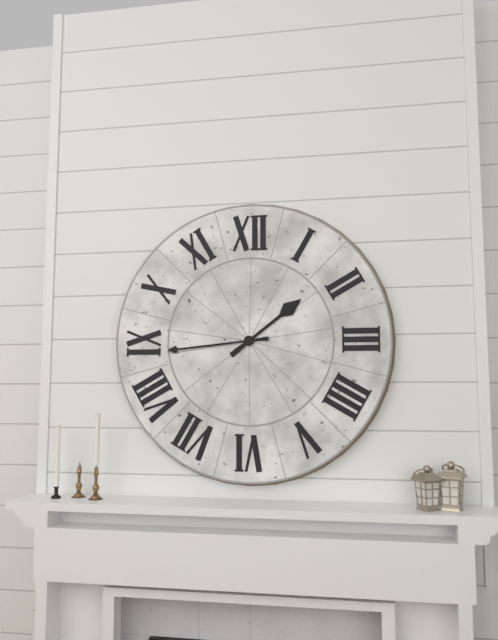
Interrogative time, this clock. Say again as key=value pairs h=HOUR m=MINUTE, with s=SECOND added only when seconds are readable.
h=1 m=44
